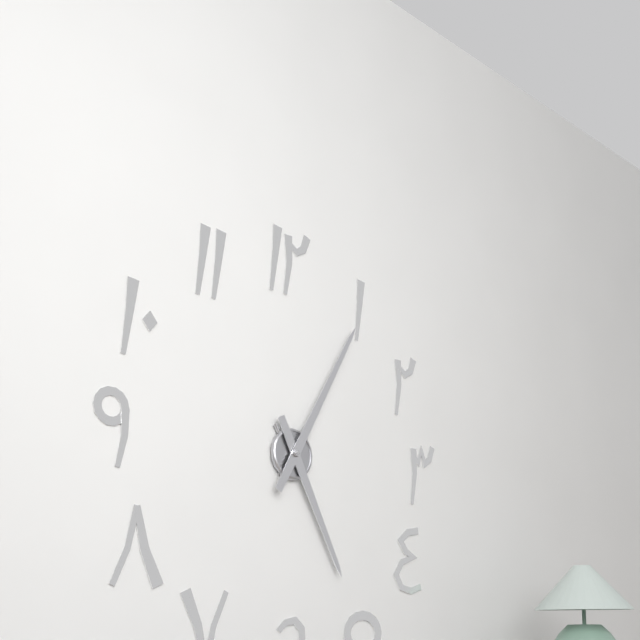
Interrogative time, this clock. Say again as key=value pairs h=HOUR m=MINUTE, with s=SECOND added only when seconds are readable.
h=5 m=5
